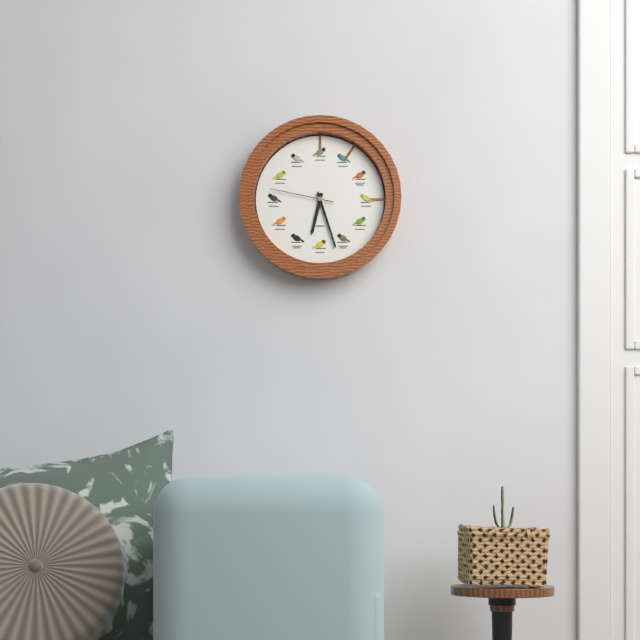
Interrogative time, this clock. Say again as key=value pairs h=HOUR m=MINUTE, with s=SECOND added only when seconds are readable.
h=6 m=27 s=47
